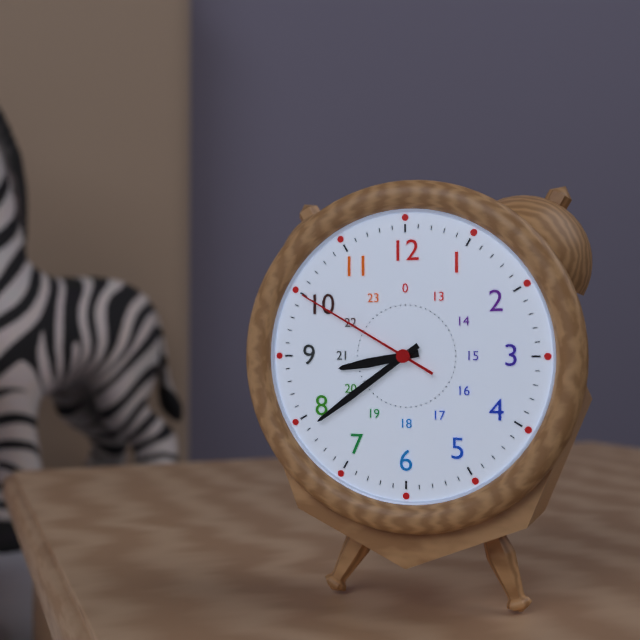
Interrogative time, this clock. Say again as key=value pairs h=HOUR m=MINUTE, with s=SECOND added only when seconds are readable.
h=8 m=39 s=50
